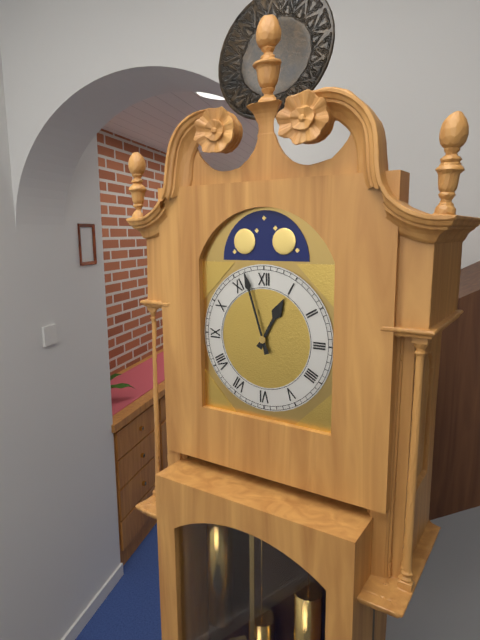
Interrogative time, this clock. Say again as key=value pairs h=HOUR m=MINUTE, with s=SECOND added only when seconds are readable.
h=12 m=57
